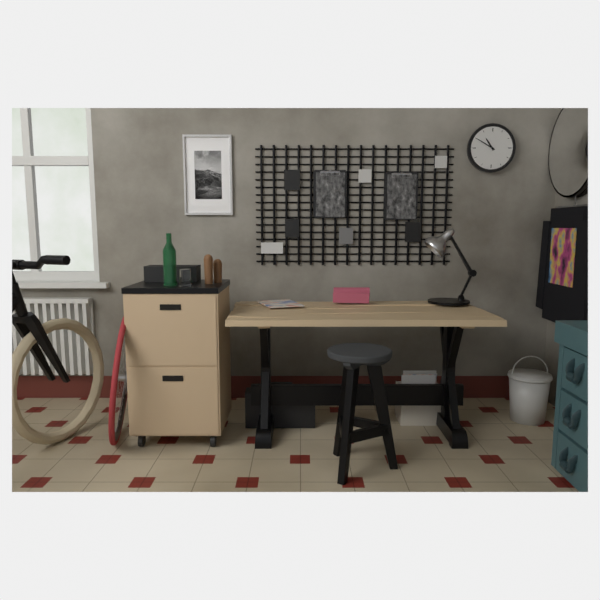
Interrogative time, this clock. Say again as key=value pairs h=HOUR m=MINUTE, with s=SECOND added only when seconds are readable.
h=10 m=50
